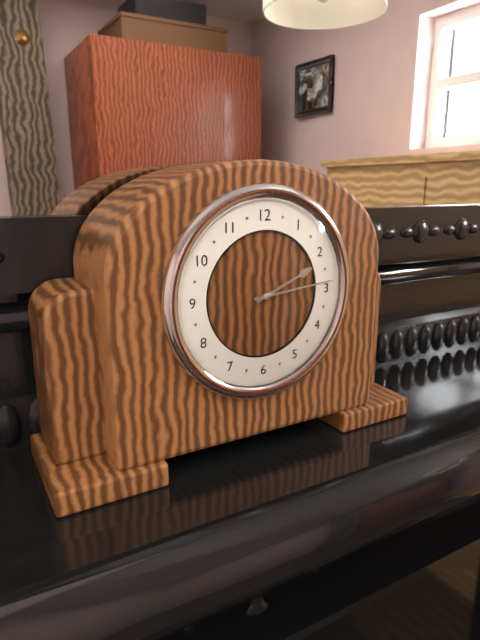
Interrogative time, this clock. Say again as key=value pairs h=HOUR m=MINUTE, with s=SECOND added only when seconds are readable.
h=2 m=14
